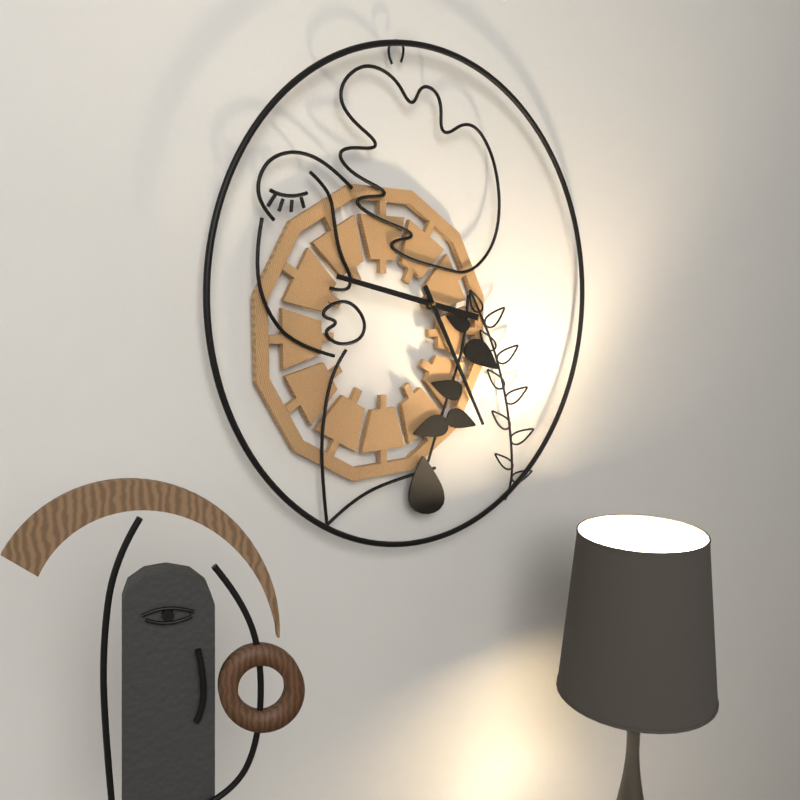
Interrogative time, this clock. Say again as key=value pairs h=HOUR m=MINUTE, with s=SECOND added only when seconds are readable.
h=9 m=25
